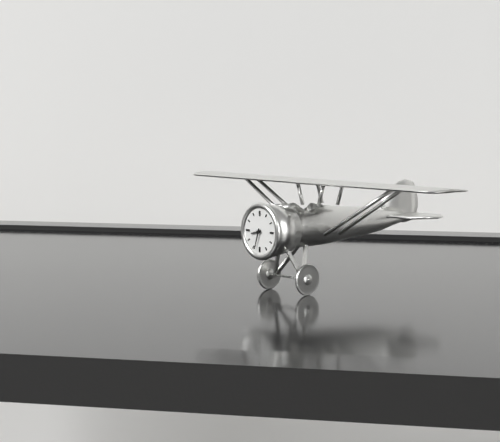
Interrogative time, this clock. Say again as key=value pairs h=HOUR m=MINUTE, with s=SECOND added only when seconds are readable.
h=8 m=33
